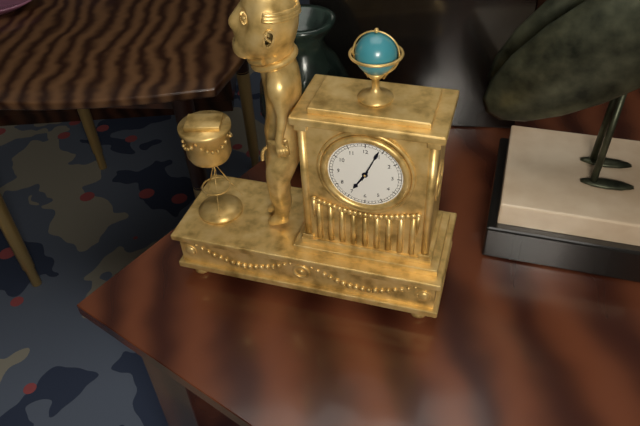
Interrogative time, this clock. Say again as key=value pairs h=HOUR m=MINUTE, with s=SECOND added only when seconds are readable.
h=7 m=4
